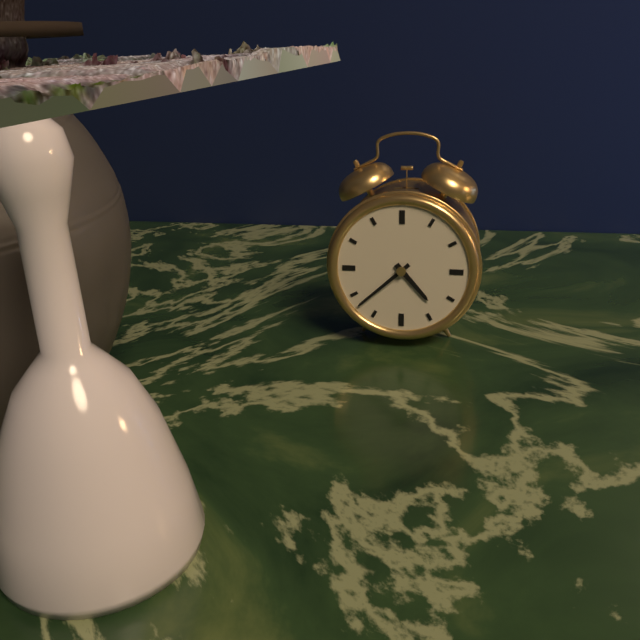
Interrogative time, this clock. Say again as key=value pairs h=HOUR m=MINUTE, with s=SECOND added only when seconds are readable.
h=4 m=38
